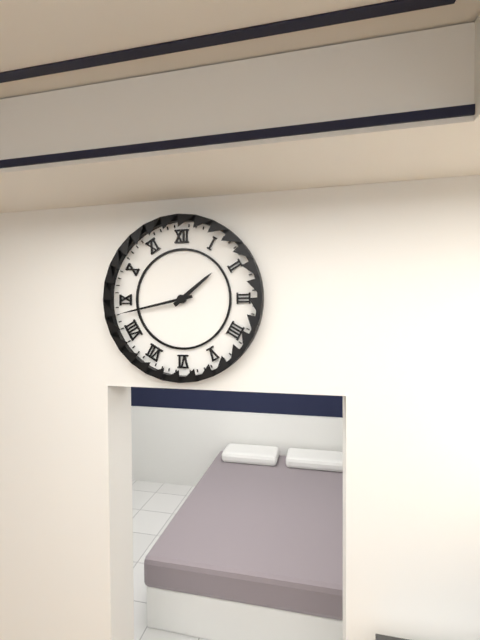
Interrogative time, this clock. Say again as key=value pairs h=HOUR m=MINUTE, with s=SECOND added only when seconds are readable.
h=1 m=43
